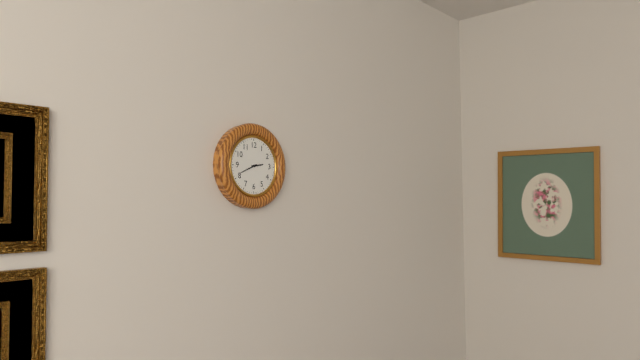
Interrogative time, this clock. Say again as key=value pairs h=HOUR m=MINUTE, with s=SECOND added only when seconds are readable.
h=2 m=41
